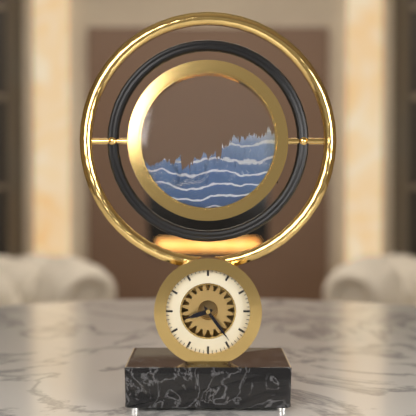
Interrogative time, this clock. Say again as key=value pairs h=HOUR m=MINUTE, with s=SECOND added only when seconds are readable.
h=8 m=24
